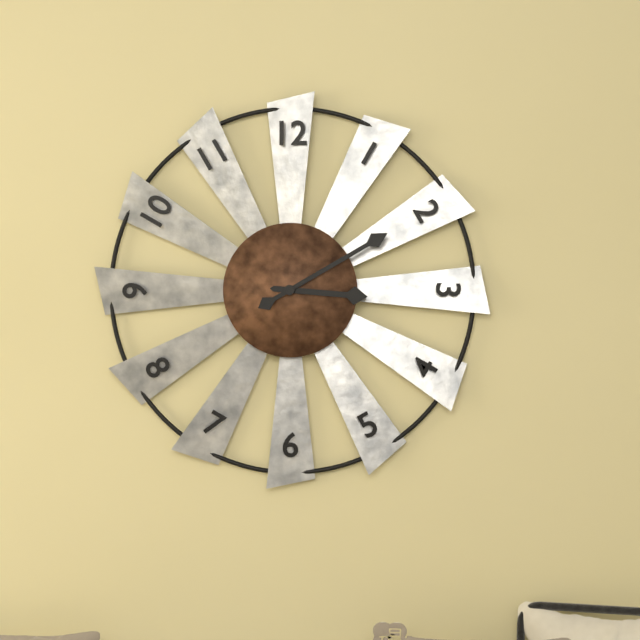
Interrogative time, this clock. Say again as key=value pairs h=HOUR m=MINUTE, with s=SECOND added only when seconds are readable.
h=3 m=10
